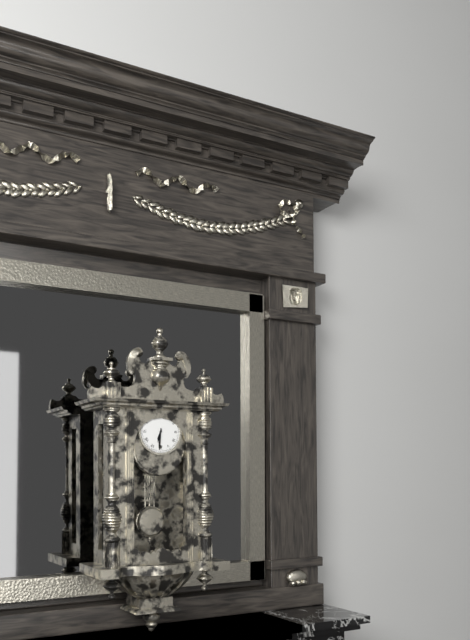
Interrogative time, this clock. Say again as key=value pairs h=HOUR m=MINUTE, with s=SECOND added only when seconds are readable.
h=6 m=31
